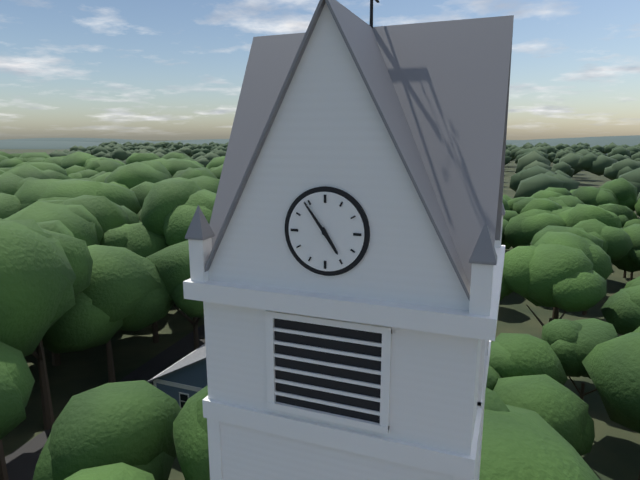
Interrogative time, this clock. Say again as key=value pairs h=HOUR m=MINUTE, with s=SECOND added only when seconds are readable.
h=4 m=54
